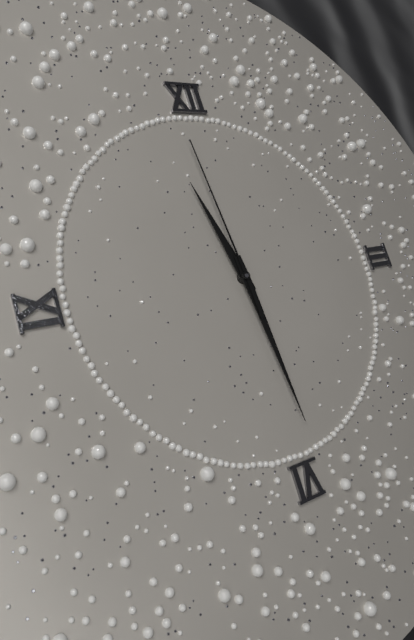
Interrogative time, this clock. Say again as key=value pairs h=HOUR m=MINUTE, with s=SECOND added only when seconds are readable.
h=11 m=29 s=59
